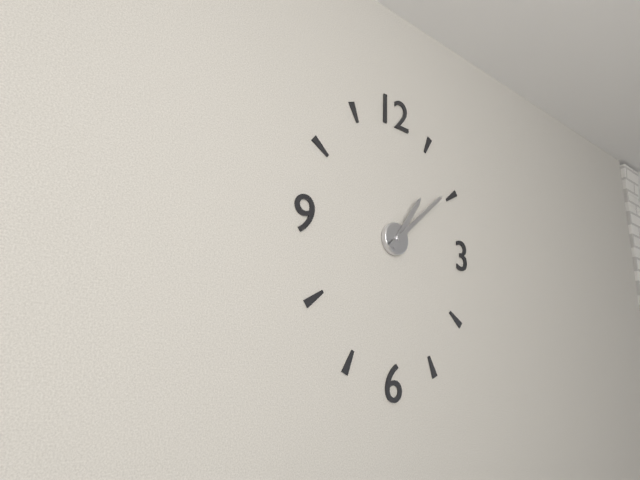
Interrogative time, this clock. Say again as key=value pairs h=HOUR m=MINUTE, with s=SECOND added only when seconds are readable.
h=1 m=8
